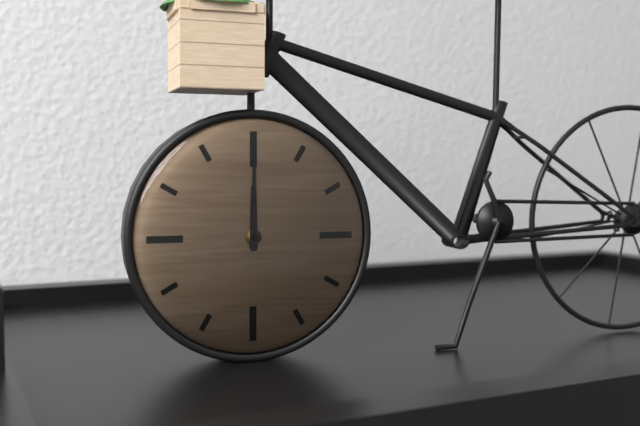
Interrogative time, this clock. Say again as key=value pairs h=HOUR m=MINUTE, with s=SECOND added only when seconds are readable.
h=12 m=0
